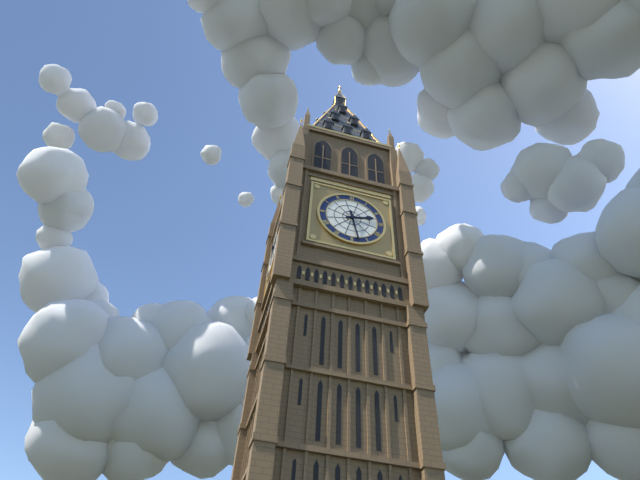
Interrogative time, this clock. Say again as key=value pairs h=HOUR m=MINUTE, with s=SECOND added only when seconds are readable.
h=2 m=28
